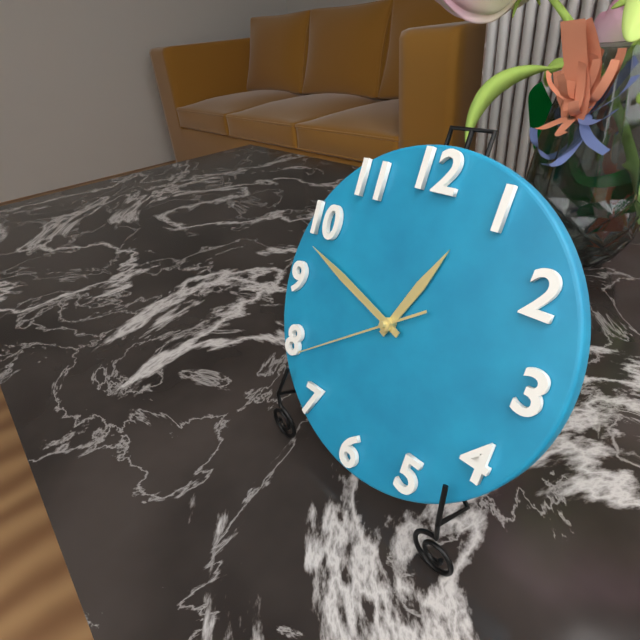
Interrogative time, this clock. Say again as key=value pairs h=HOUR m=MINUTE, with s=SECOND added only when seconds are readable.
h=12 m=48 s=39
